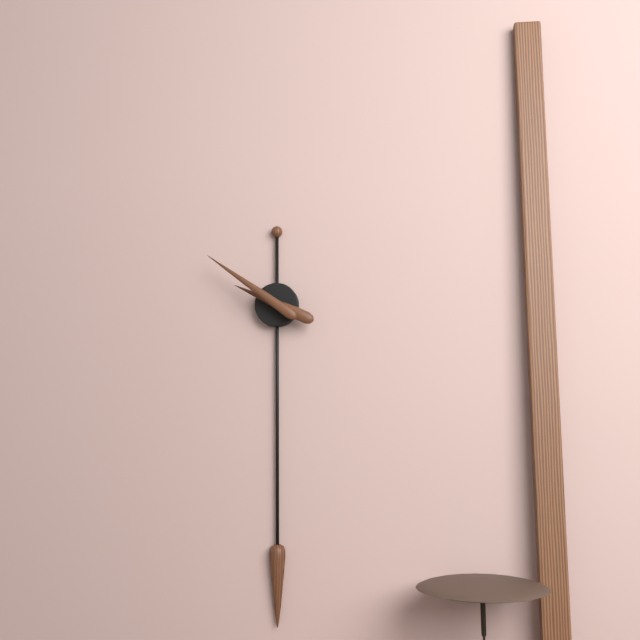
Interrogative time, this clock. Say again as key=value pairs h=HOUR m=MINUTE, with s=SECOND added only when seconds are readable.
h=9 m=51
